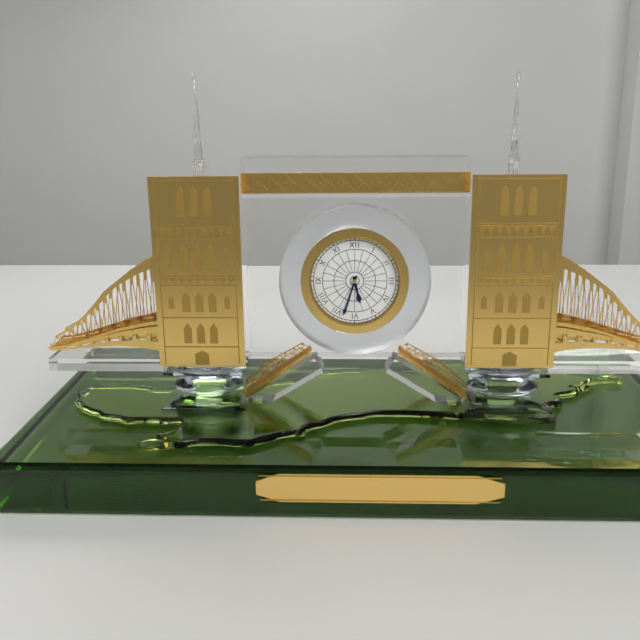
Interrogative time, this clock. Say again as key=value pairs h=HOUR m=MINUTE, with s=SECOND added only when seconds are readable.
h=5 m=33
